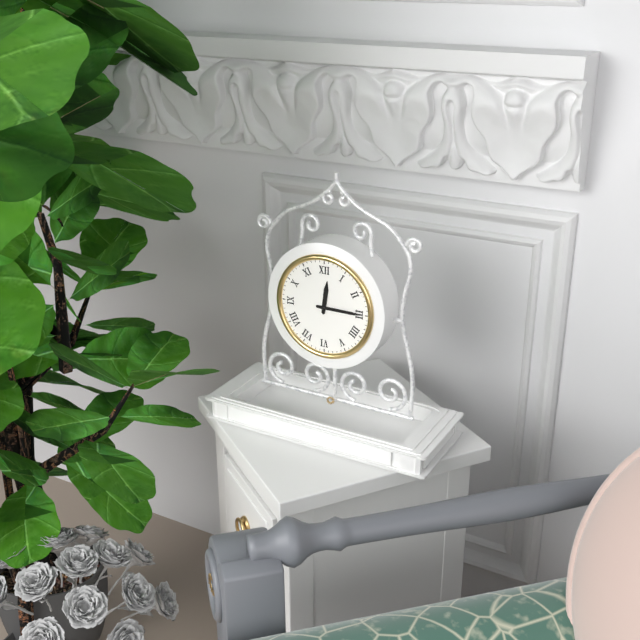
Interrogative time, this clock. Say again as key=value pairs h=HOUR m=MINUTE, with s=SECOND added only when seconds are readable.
h=12 m=15
